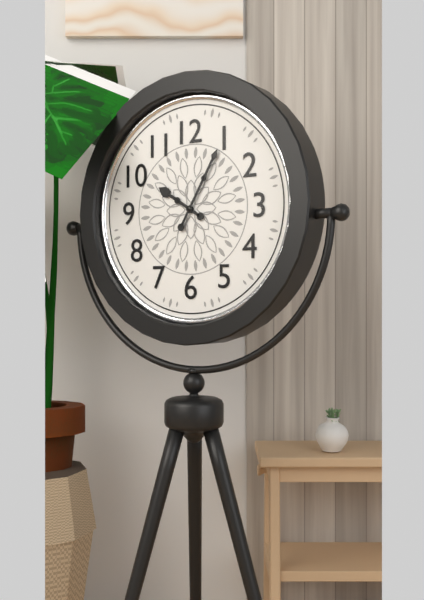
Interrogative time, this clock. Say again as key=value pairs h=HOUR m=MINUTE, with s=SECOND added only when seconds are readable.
h=10 m=5
